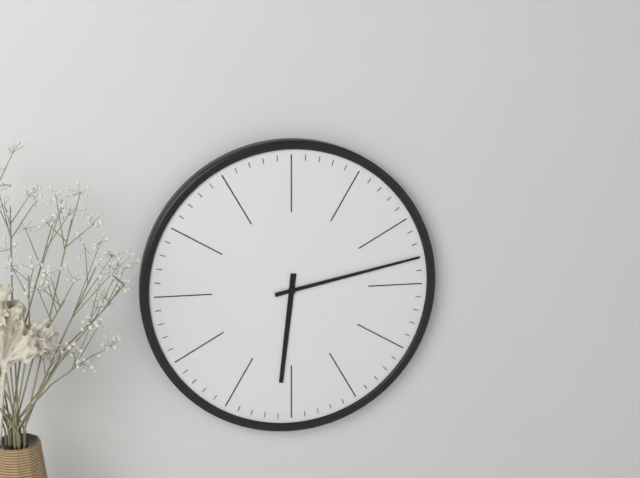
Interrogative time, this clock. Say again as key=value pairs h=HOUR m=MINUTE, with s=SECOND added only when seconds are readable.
h=6 m=13
